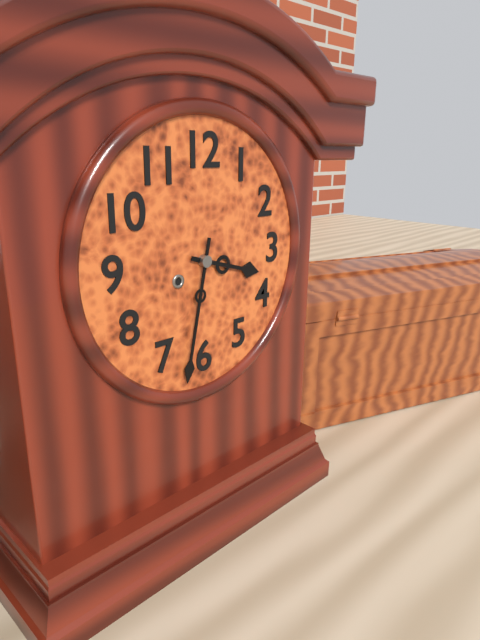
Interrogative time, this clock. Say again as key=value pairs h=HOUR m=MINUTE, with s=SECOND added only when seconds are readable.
h=3 m=32
